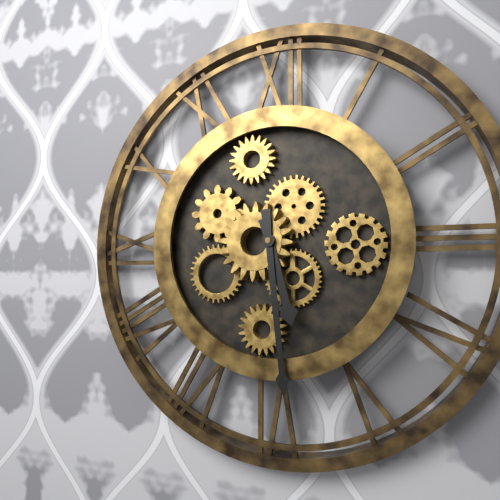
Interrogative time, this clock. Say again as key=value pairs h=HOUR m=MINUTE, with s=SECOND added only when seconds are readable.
h=5 m=29
